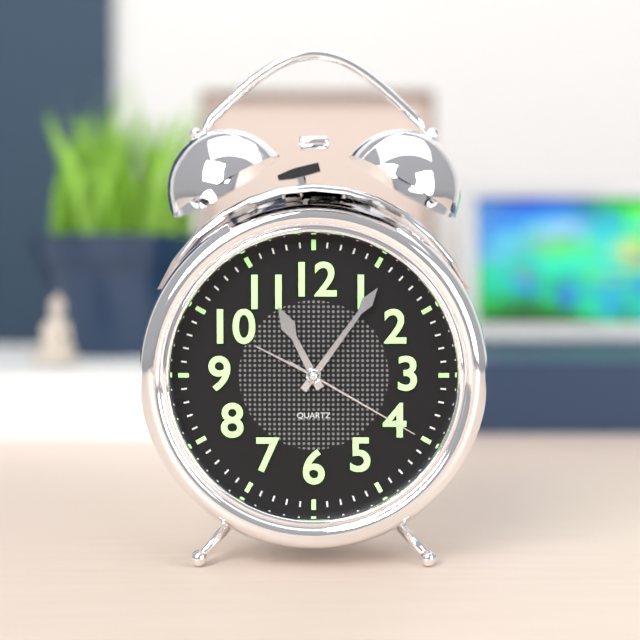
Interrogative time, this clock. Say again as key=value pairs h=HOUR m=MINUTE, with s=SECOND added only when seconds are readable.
h=11 m=6 s=20
